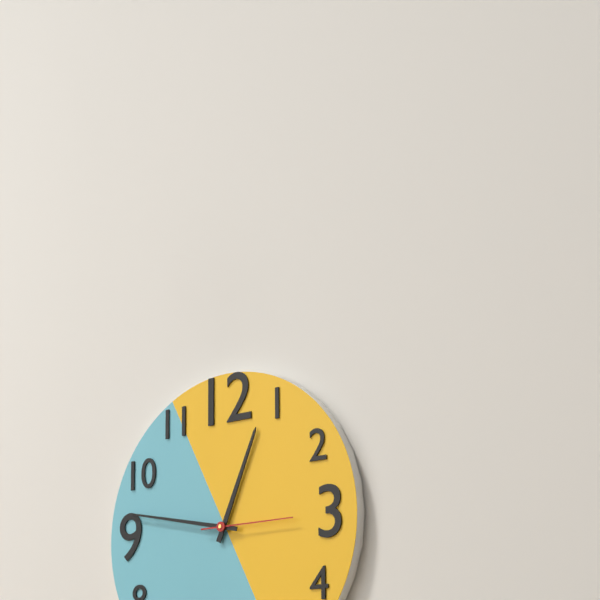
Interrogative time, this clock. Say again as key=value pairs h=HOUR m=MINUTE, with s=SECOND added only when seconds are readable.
h=12 m=47 s=15
